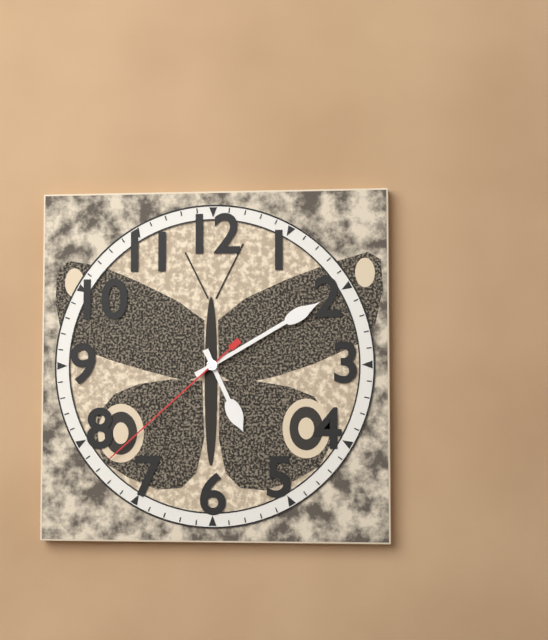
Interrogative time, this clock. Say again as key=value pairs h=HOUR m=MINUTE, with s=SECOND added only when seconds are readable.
h=5 m=10 s=38
